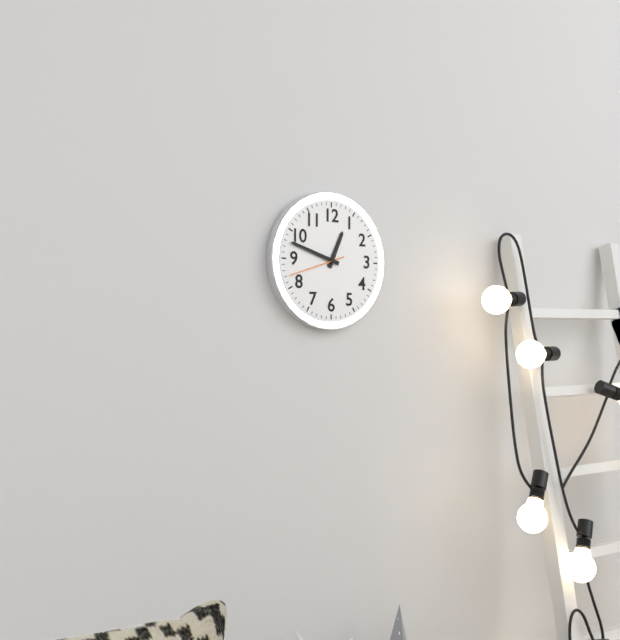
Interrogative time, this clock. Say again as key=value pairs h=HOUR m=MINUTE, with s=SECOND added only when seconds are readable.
h=12 m=48 s=42
